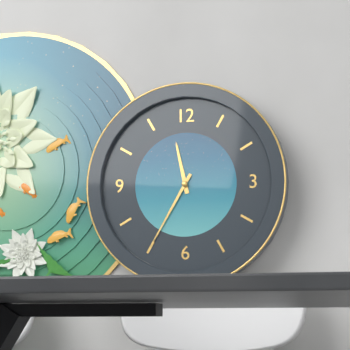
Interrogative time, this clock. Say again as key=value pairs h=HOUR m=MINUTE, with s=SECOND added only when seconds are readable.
h=11 m=35
